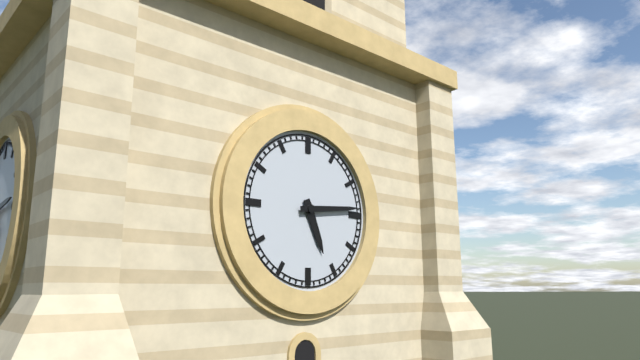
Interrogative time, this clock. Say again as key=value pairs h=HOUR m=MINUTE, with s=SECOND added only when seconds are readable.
h=5 m=14
